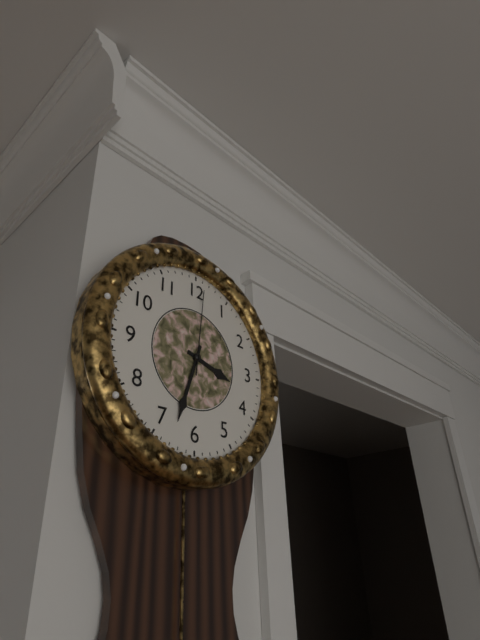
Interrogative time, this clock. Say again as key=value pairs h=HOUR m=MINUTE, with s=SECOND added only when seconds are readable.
h=3 m=33 s=1
